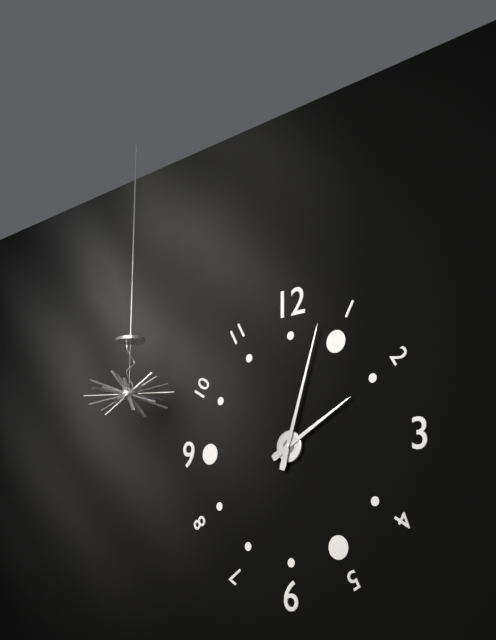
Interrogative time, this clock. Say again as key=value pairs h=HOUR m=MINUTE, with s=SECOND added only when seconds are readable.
h=2 m=3
